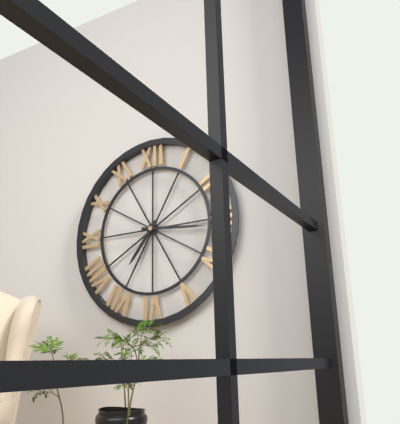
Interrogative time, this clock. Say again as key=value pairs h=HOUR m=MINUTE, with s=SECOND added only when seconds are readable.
h=7 m=16
